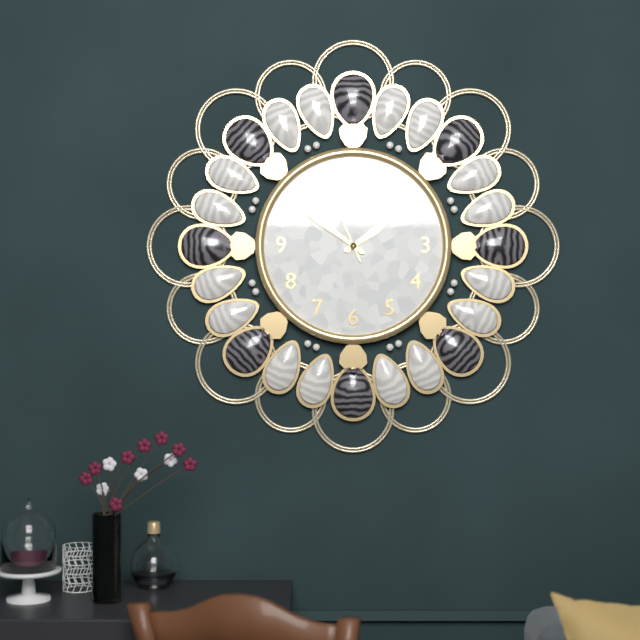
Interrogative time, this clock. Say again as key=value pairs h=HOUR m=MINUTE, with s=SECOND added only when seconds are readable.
h=1 m=51 s=56
